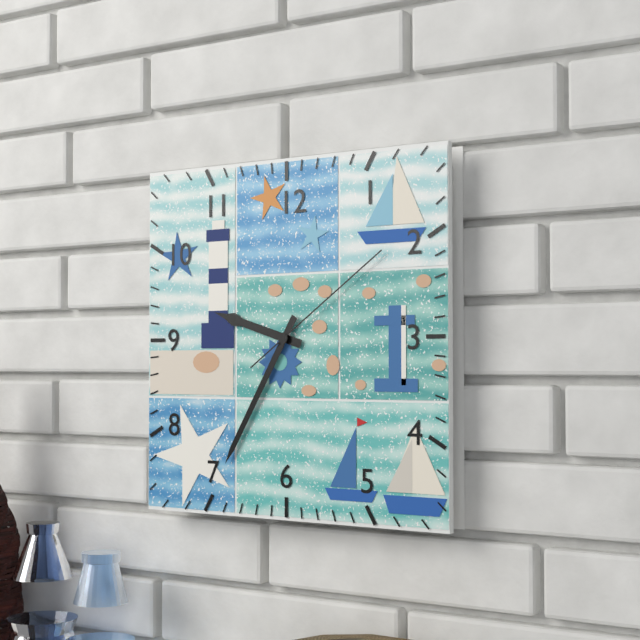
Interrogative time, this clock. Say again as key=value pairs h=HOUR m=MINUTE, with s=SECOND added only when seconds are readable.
h=9 m=35 s=9
